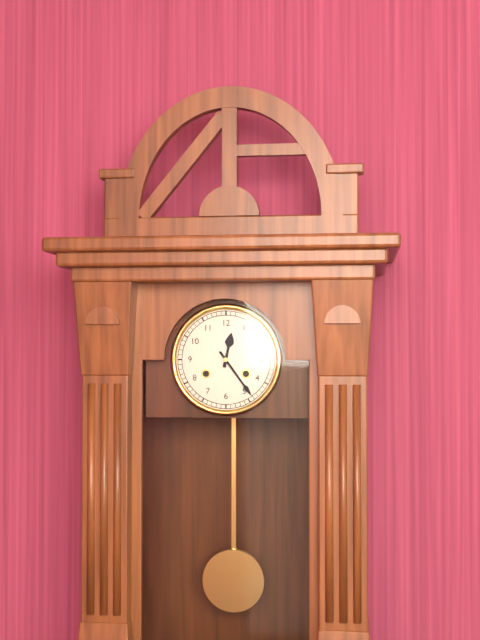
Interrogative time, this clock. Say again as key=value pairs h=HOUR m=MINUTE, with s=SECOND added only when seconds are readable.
h=12 m=24
